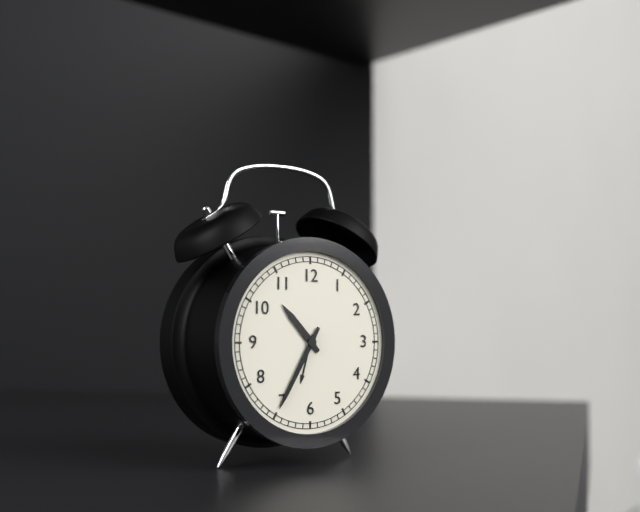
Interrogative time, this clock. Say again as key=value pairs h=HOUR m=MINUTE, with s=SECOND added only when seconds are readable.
h=10 m=35
